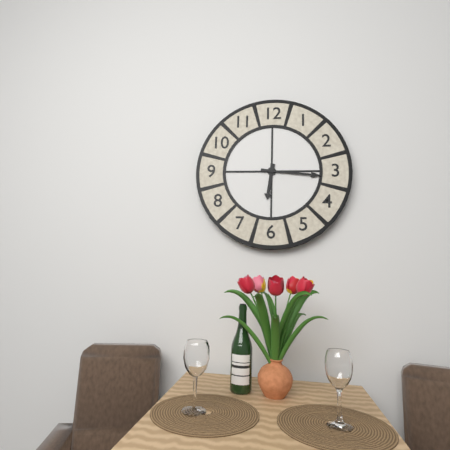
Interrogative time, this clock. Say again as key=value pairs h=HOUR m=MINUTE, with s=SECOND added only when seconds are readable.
h=6 m=16
